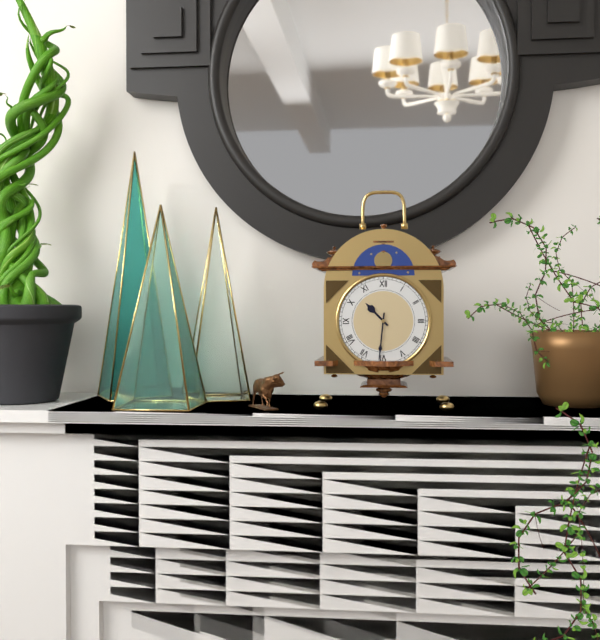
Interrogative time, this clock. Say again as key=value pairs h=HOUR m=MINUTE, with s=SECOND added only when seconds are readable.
h=10 m=31
